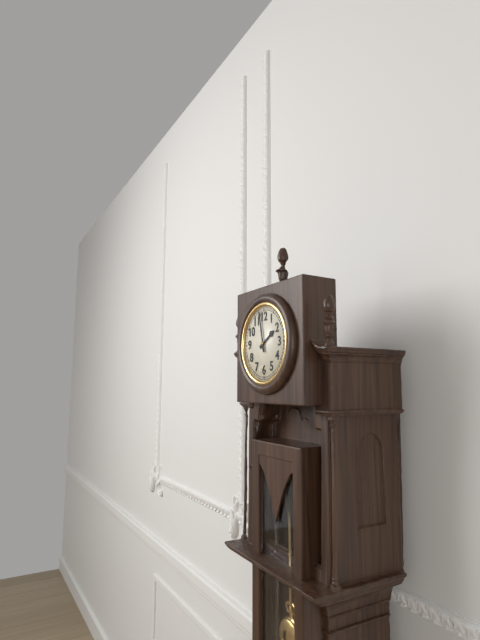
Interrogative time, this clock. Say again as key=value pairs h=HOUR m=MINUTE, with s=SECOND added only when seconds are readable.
h=1 m=58
